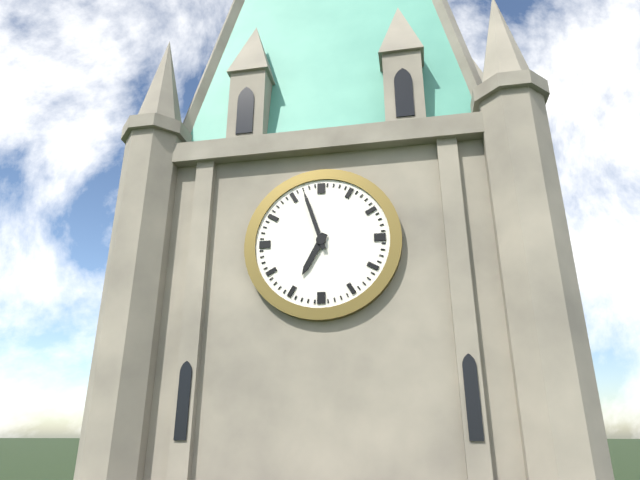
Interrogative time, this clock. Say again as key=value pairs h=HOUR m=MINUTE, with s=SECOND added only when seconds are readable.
h=6 m=57
